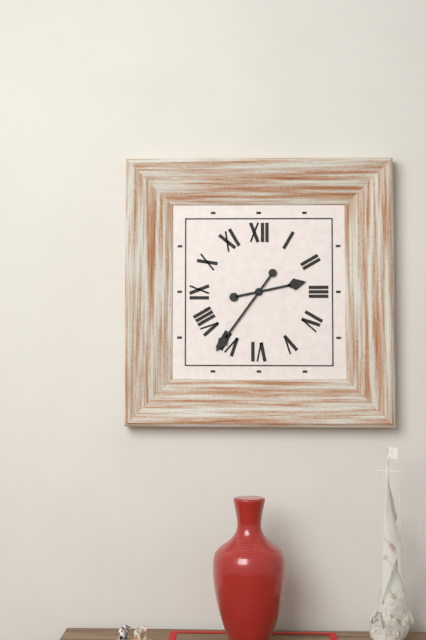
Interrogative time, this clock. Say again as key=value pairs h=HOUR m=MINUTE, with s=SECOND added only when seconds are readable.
h=2 m=36
